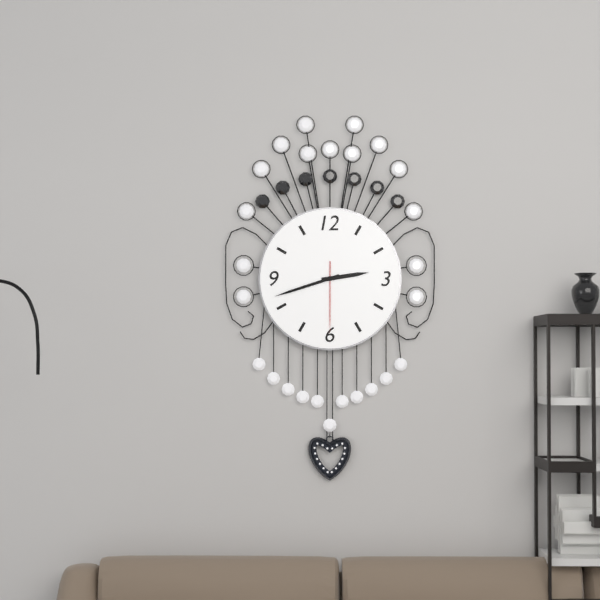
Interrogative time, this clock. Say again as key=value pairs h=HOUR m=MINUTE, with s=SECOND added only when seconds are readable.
h=2 m=42 s=30
